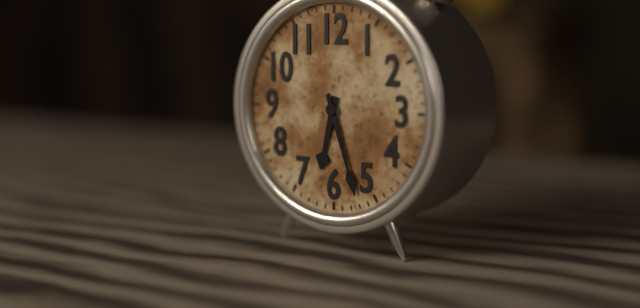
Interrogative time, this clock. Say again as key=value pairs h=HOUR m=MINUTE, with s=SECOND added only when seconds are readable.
h=6 m=27
